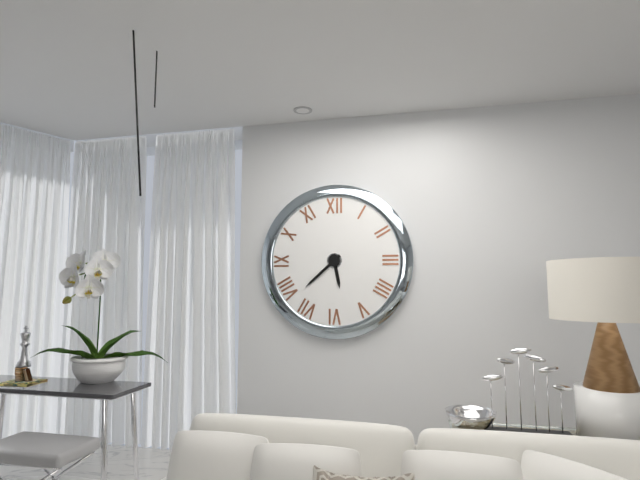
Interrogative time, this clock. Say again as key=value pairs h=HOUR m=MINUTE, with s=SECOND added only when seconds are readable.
h=5 m=38
